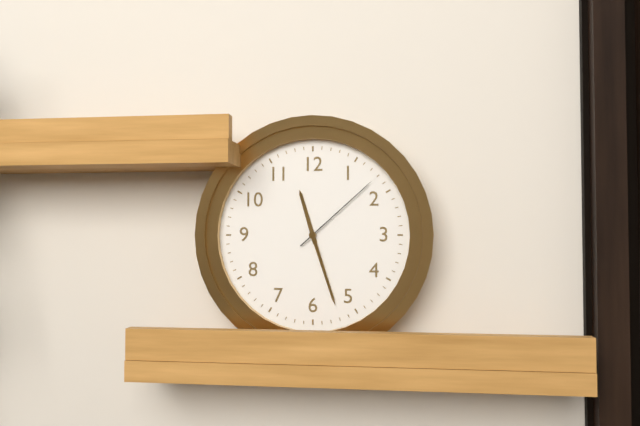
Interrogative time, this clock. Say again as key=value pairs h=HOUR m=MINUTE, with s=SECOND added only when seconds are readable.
h=11 m=27 s=8
